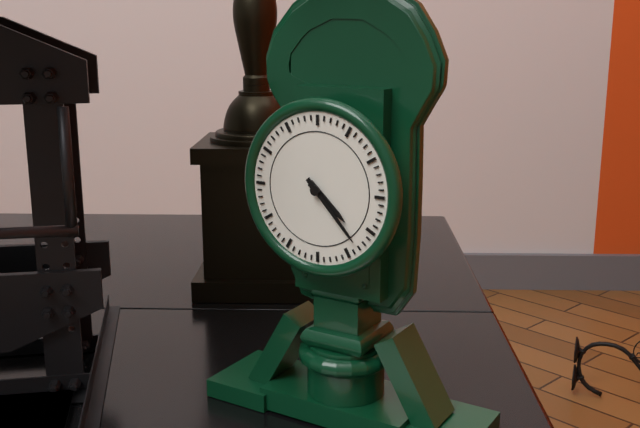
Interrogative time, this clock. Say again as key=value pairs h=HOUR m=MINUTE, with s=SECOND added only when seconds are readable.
h=4 m=23
